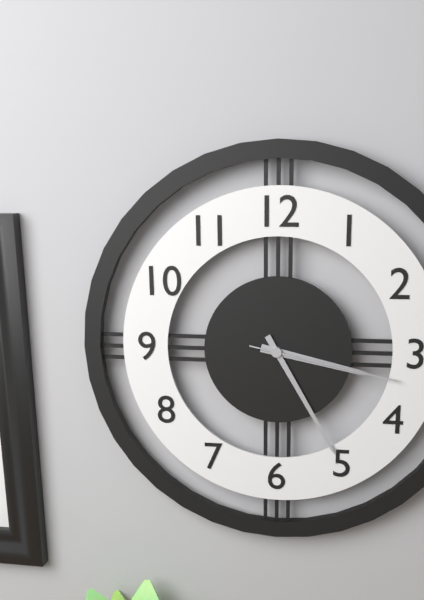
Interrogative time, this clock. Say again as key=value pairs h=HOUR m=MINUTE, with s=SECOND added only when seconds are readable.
h=3 m=25 s=17
